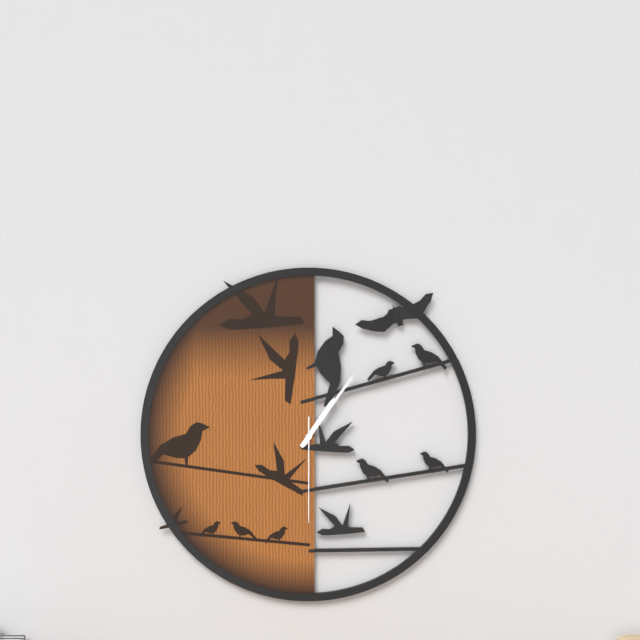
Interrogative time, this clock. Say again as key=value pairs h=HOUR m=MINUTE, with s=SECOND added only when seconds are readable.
h=1 m=6 s=30
